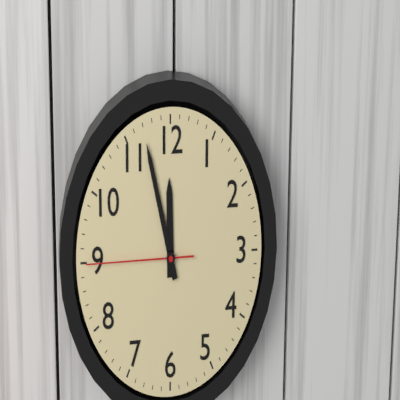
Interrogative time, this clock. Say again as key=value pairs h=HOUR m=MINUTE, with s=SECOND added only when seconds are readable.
h=11 m=57 s=45
